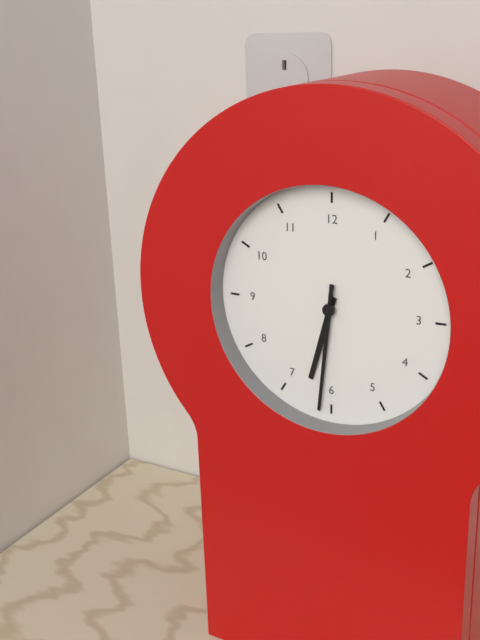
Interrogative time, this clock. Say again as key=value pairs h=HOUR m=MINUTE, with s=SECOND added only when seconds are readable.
h=6 m=31
